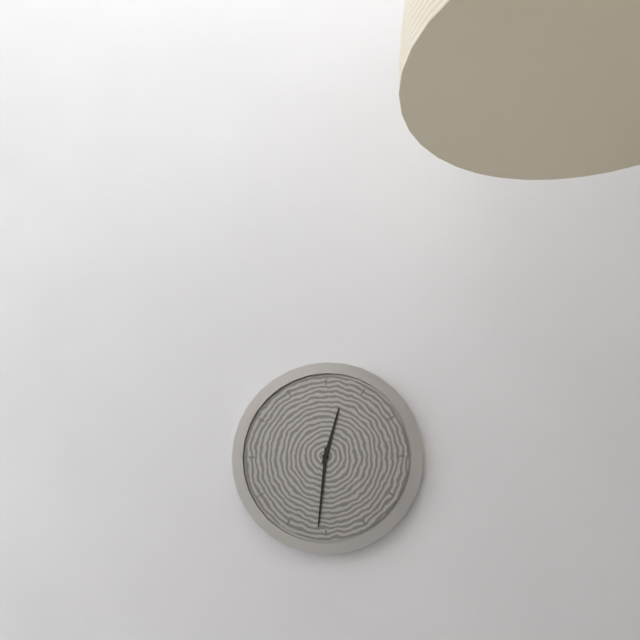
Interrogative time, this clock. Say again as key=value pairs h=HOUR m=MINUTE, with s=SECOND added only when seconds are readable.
h=12 m=31
